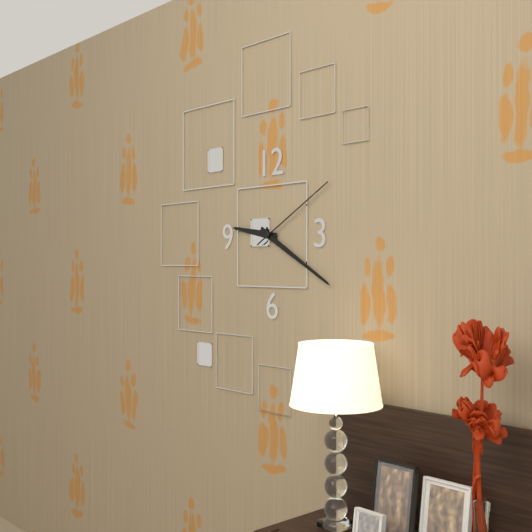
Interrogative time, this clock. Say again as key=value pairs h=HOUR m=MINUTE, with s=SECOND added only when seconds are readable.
h=9 m=20 s=10
